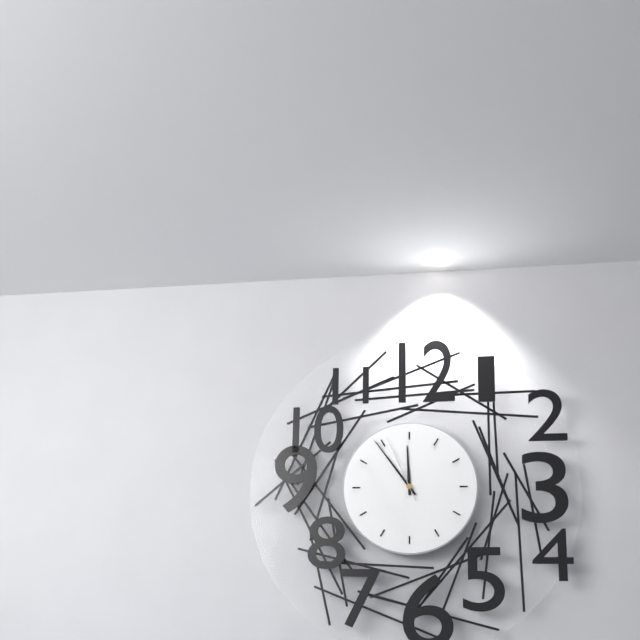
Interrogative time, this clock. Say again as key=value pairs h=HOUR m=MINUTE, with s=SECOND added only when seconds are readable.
h=11 m=54 s=56
